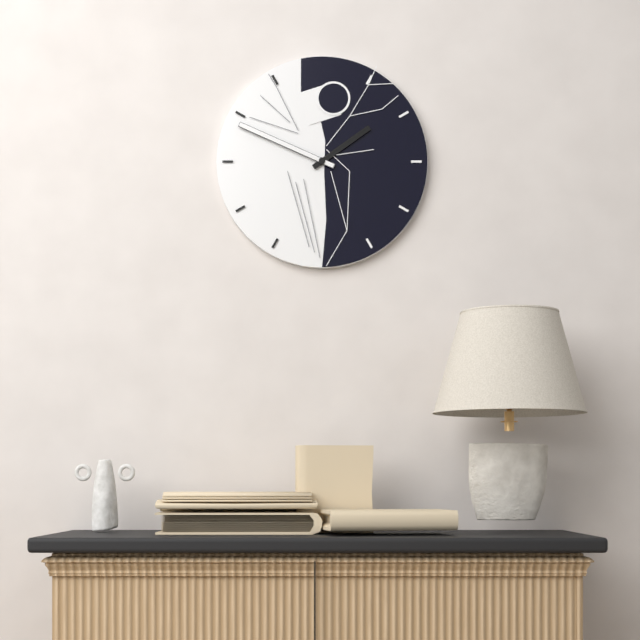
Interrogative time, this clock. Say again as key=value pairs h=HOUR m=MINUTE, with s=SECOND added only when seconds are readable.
h=1 m=49
